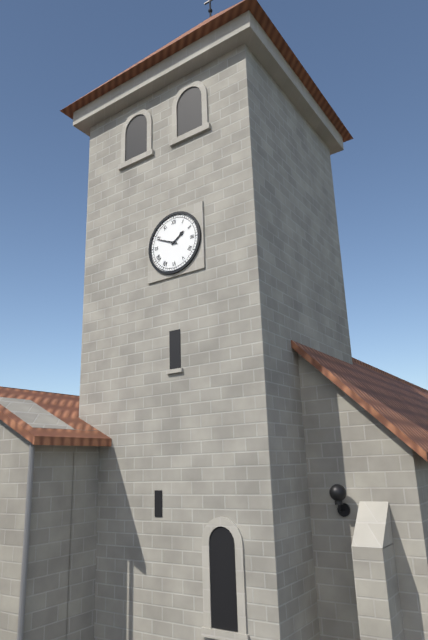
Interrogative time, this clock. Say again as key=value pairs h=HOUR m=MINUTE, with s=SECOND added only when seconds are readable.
h=1 m=49
